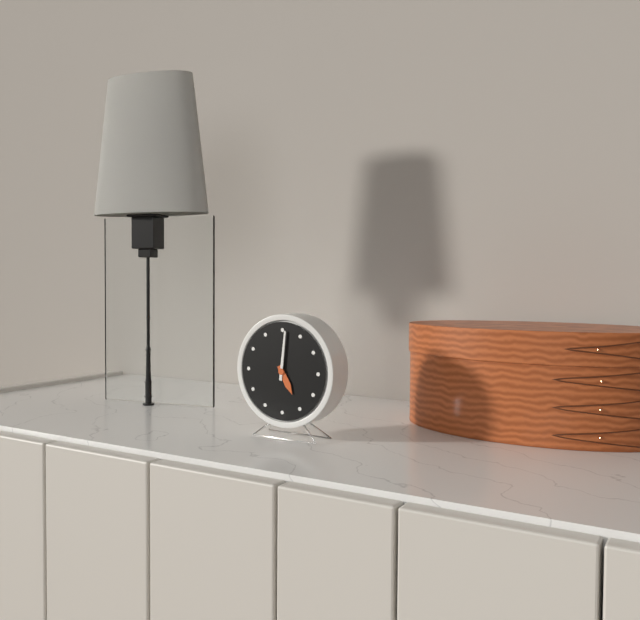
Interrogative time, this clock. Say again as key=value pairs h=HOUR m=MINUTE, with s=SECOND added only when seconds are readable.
h=5 m=1
